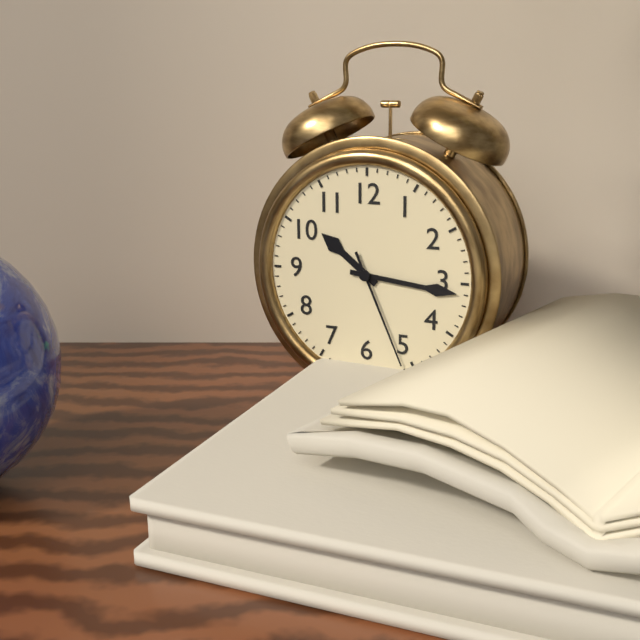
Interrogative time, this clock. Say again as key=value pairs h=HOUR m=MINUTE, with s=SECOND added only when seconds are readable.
h=10 m=16 s=26
